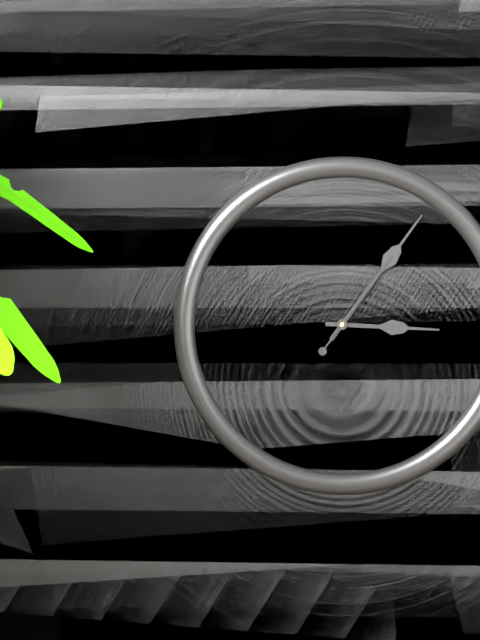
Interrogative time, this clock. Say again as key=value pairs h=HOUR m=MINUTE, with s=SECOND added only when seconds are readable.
h=3 m=6 s=6
